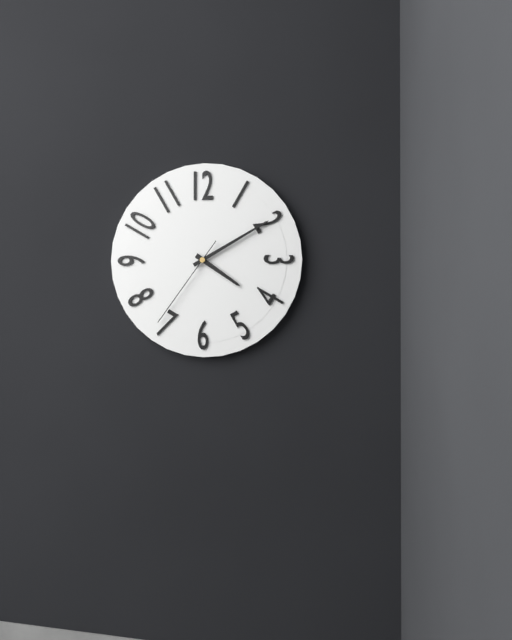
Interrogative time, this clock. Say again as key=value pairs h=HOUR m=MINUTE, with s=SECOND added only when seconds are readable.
h=4 m=10 s=36
